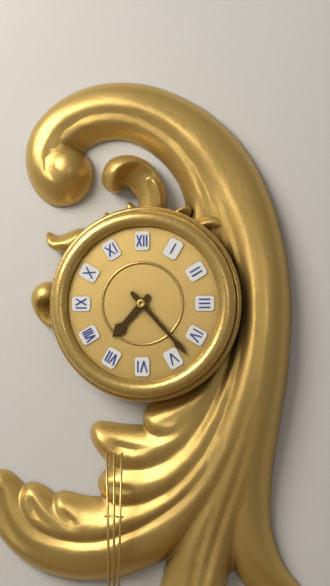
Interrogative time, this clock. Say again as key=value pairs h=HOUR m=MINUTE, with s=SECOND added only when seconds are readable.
h=7 m=23
